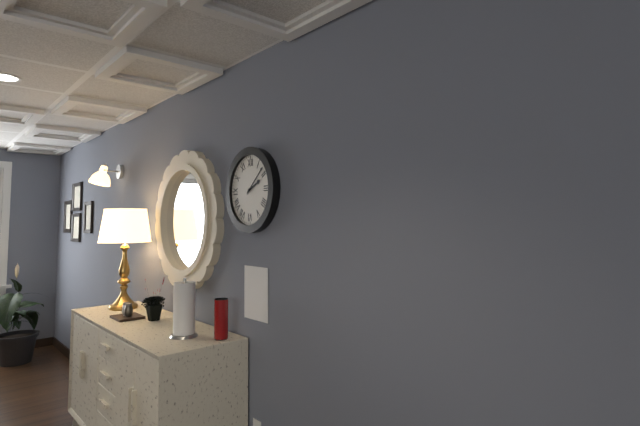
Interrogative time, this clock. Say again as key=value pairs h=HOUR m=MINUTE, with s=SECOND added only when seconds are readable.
h=2 m=8
